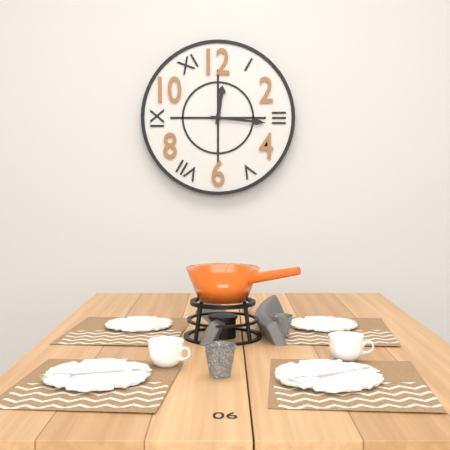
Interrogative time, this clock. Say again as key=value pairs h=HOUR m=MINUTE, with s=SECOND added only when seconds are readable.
h=12 m=16
